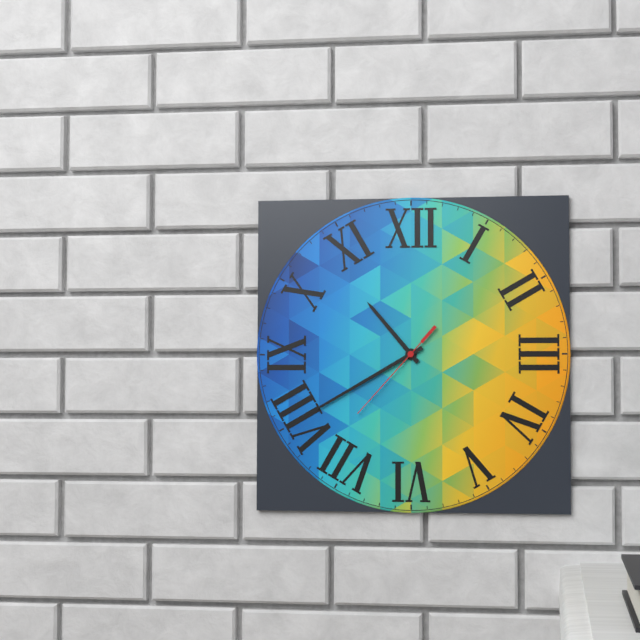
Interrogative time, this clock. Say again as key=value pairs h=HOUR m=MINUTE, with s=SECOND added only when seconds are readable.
h=10 m=40 s=37
